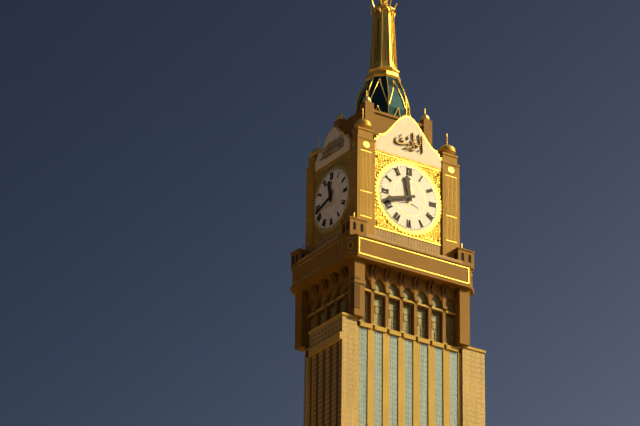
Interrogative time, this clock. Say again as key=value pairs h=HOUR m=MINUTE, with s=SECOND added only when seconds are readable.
h=11 m=42
